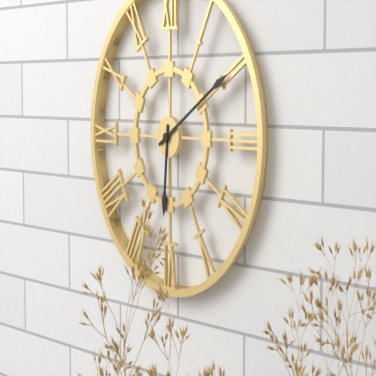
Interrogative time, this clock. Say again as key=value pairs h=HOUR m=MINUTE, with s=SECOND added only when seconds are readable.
h=6 m=10
